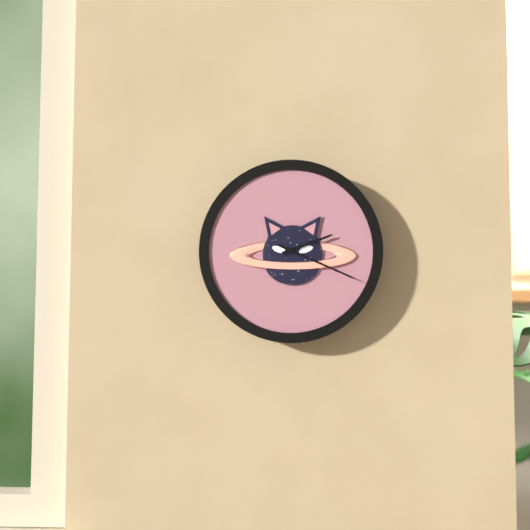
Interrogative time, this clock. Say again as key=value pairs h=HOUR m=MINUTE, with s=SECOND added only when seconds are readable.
h=2 m=19
